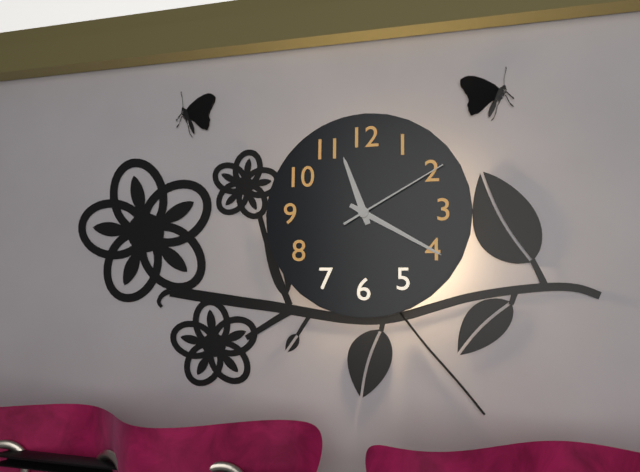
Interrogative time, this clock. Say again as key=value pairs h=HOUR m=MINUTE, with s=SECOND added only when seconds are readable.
h=11 m=20 s=10
